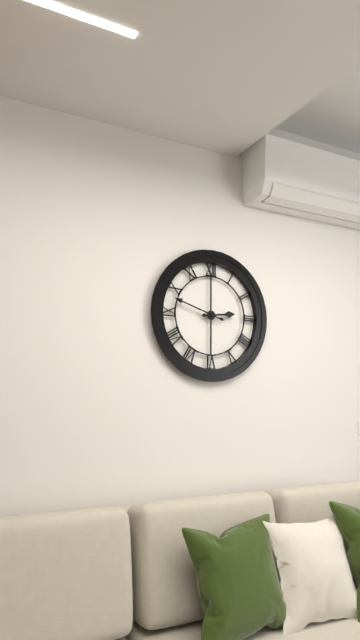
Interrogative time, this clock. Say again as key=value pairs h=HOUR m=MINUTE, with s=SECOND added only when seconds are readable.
h=2 m=48
